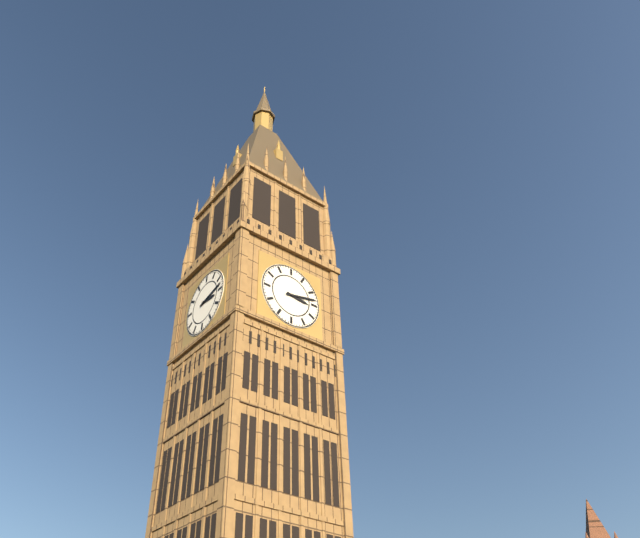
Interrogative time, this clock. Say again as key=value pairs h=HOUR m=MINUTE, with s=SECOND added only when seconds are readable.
h=3 m=13
